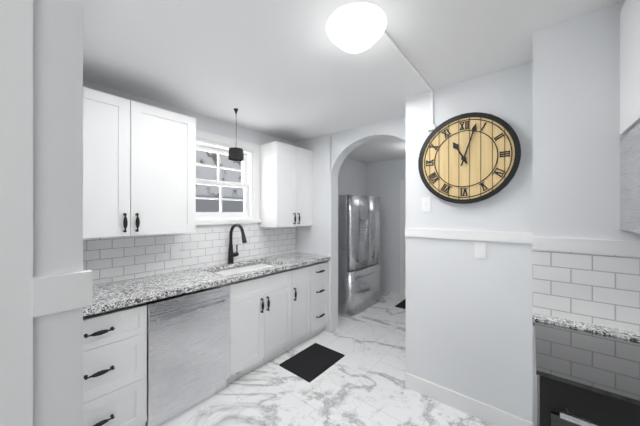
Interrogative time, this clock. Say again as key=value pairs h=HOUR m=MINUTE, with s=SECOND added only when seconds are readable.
h=11 m=3
